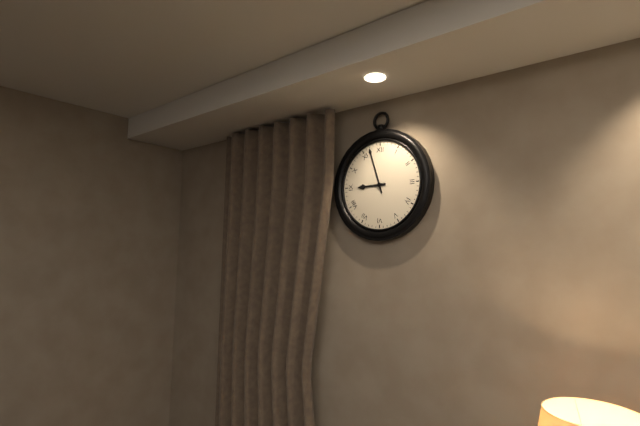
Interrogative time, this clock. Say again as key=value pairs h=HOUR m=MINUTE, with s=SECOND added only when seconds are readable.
h=8 m=57
